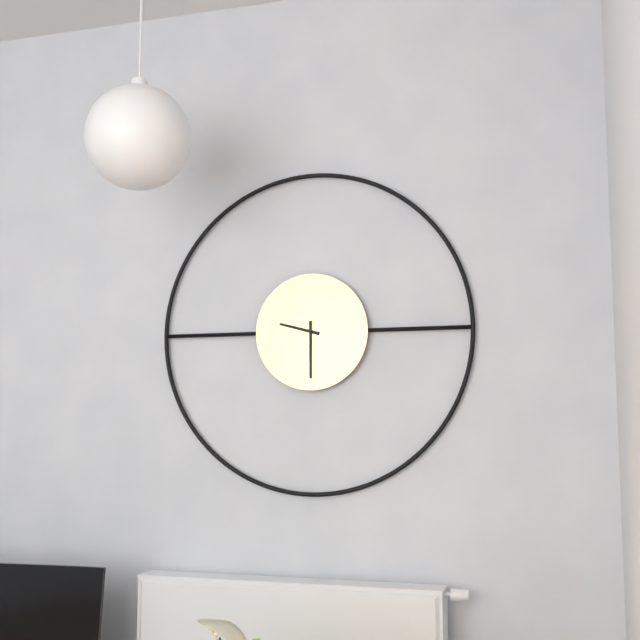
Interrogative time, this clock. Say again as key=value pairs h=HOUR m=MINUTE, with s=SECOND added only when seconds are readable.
h=9 m=30
